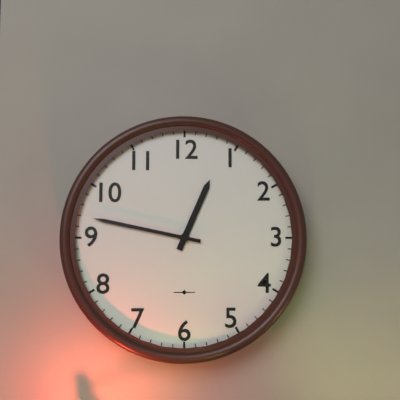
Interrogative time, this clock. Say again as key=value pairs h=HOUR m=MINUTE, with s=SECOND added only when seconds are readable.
h=12 m=47
